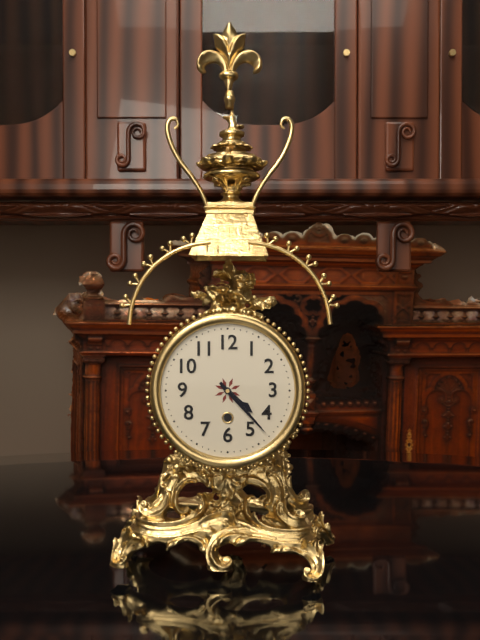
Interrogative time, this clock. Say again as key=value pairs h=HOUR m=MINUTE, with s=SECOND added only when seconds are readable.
h=4 m=23
